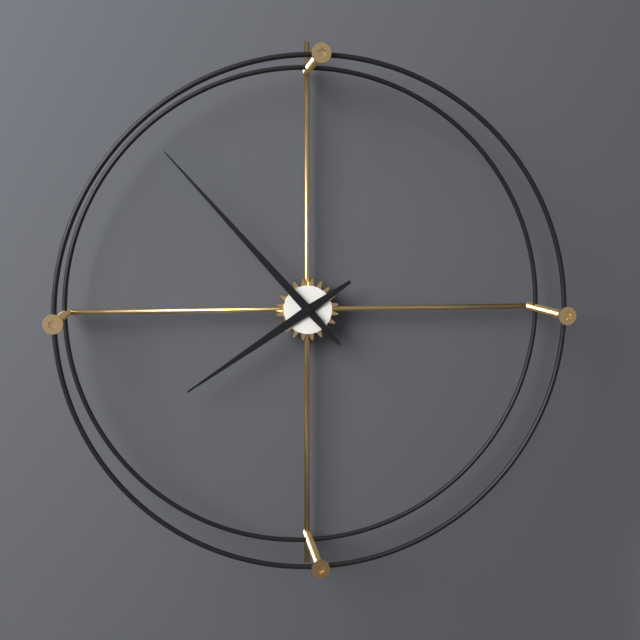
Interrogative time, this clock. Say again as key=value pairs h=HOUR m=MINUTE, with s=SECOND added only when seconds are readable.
h=7 m=53
